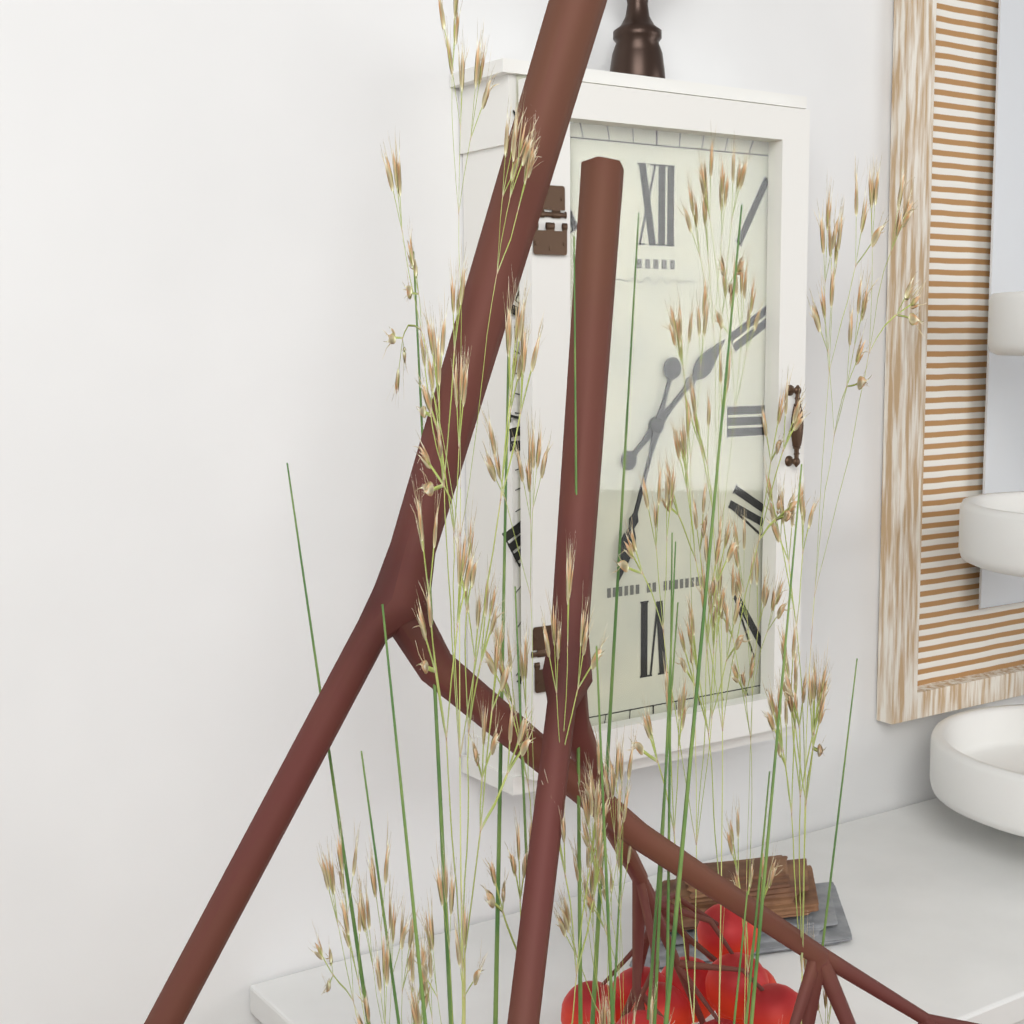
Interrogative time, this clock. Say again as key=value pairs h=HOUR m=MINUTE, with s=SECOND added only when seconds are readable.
h=1 m=33
